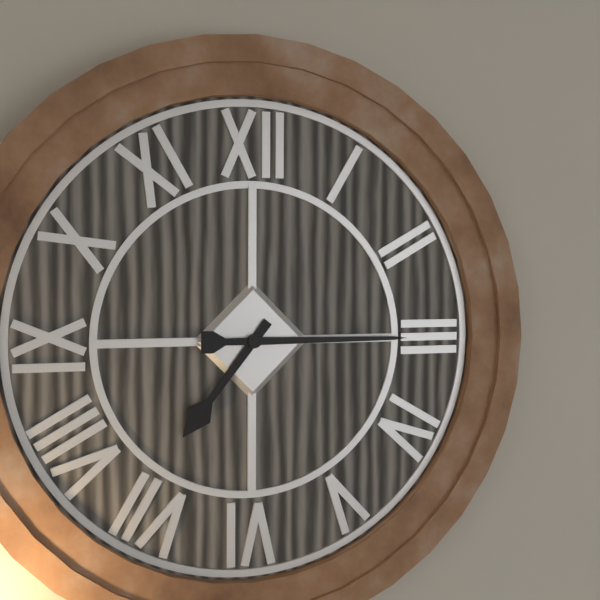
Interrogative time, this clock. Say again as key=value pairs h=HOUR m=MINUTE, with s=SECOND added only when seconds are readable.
h=7 m=15
